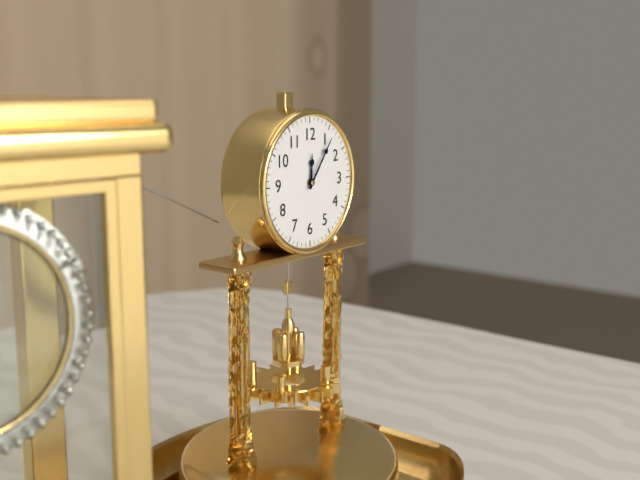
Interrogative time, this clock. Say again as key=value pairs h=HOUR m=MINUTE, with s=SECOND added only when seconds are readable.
h=12 m=6
